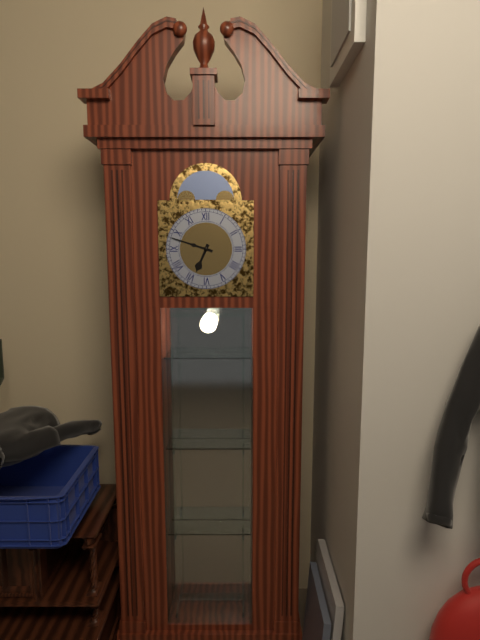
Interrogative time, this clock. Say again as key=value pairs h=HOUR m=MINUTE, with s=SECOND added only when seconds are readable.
h=6 m=48
